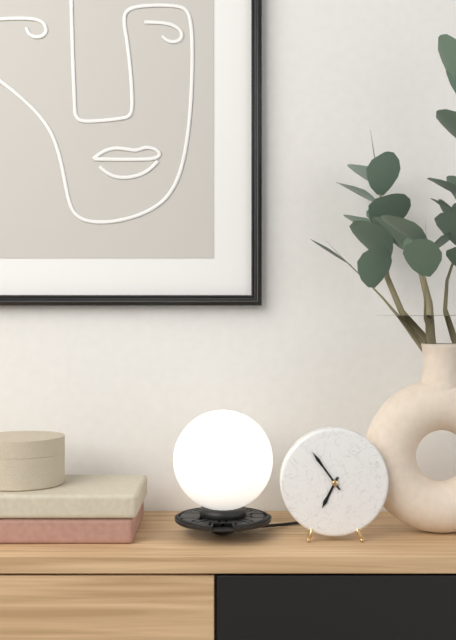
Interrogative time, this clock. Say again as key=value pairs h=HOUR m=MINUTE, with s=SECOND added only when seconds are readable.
h=6 m=54
